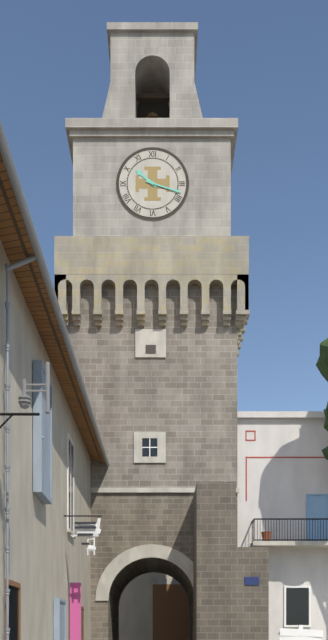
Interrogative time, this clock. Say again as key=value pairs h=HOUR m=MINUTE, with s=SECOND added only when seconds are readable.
h=10 m=18
